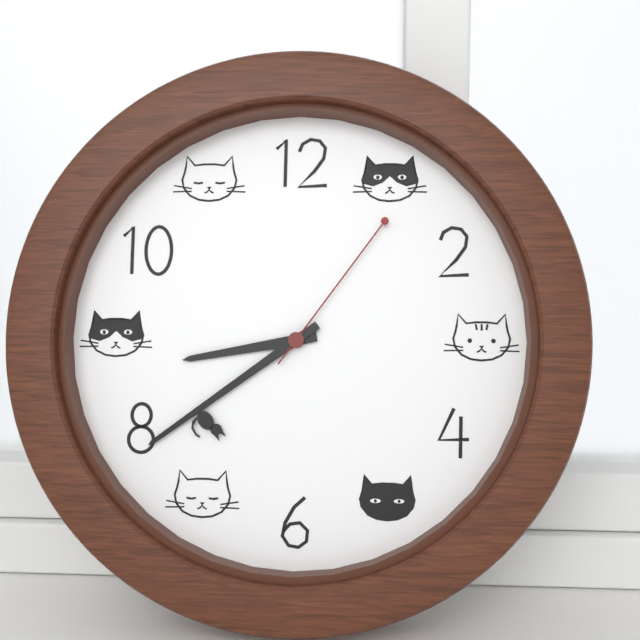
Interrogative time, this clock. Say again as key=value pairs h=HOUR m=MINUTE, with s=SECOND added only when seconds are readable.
h=8 m=39 s=6
